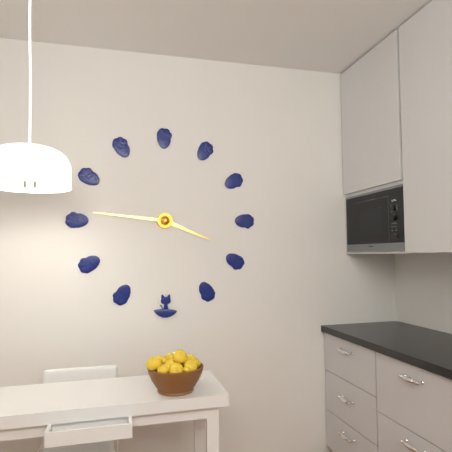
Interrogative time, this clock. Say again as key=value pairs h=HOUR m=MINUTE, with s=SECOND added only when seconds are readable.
h=3 m=46
